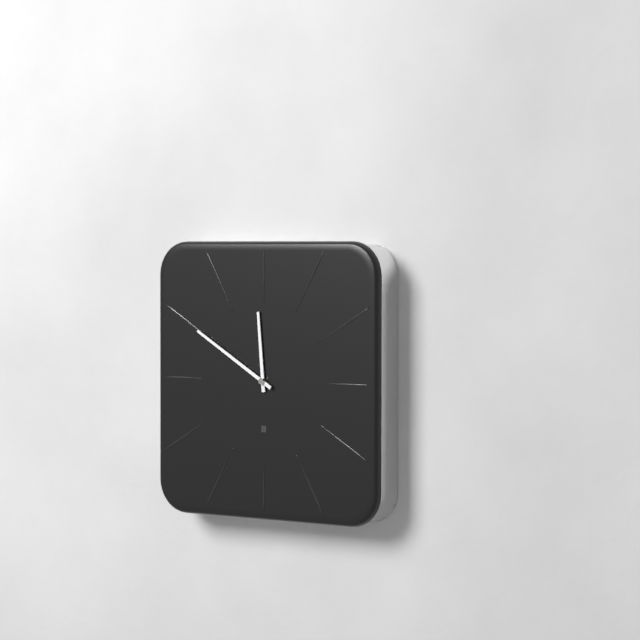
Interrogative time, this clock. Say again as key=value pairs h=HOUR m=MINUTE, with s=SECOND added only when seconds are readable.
h=11 m=50
